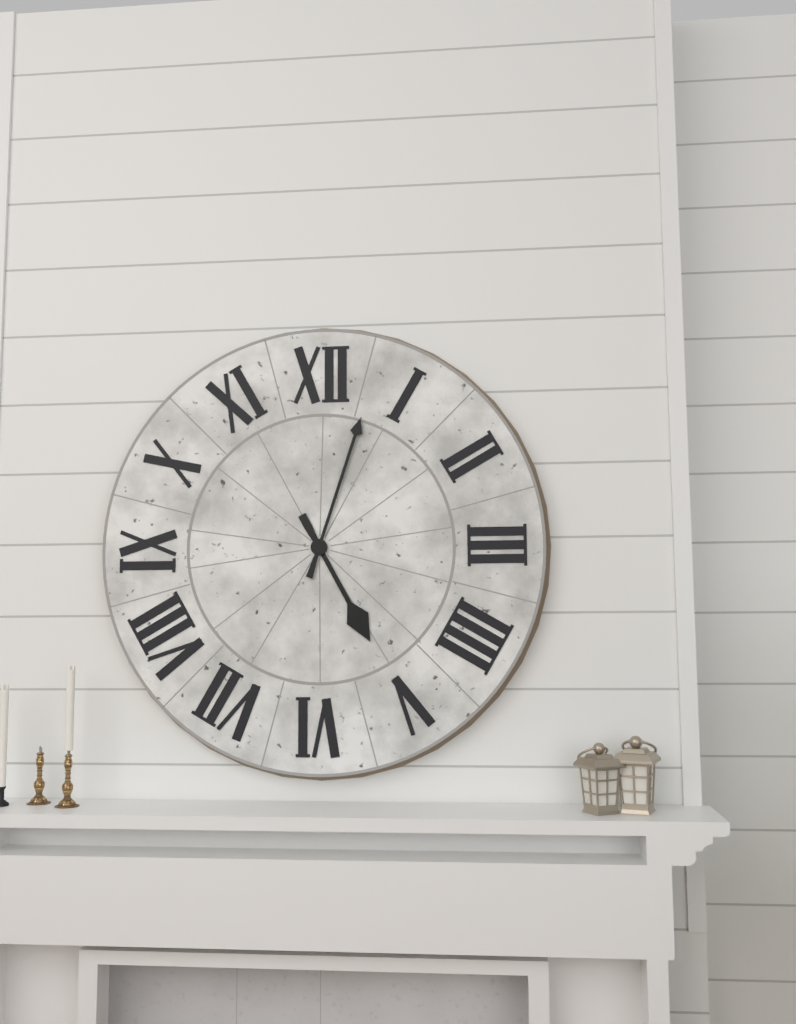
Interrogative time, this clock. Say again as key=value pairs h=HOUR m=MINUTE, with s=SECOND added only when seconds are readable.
h=5 m=3
